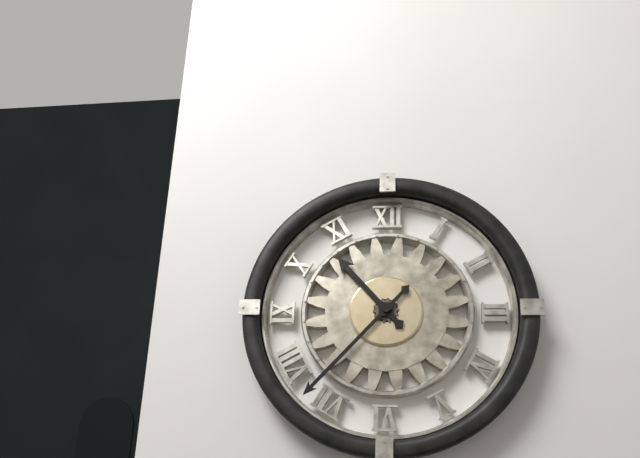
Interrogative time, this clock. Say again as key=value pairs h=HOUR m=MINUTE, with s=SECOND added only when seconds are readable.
h=10 m=37
